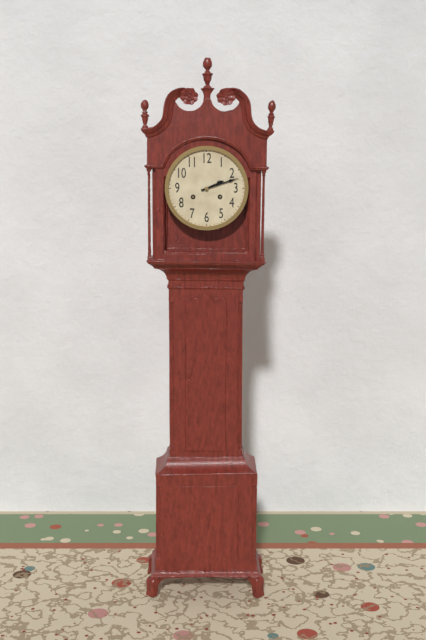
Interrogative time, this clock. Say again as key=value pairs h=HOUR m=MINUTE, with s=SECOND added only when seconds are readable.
h=2 m=12
